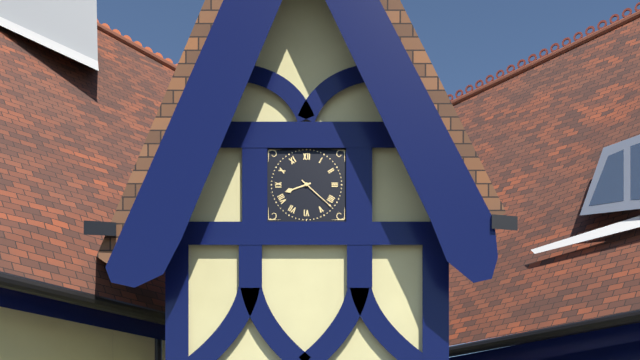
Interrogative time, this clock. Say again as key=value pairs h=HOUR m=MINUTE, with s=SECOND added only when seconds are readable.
h=8 m=22
